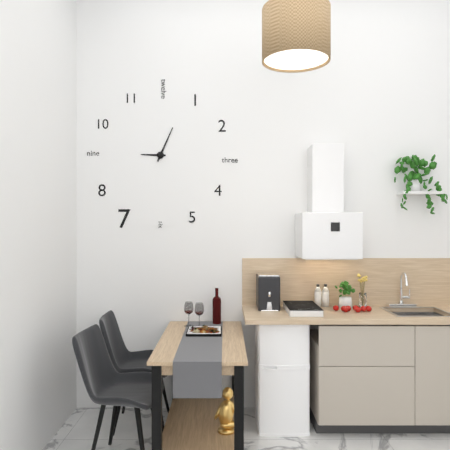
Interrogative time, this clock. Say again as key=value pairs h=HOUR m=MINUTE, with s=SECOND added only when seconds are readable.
h=9 m=4
